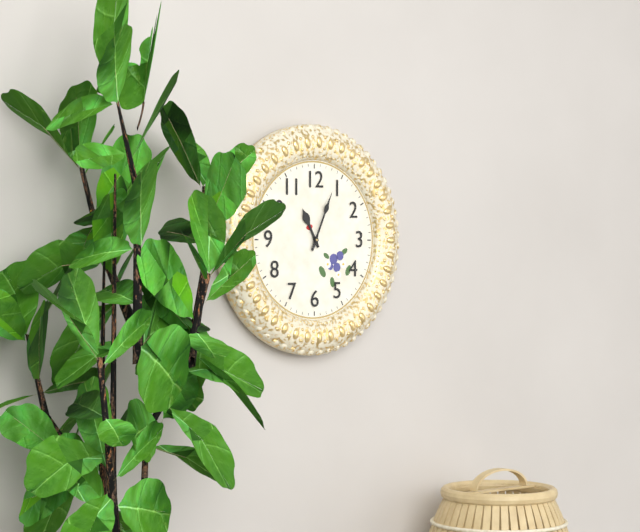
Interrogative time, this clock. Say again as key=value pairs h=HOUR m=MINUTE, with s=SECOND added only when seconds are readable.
h=11 m=4
